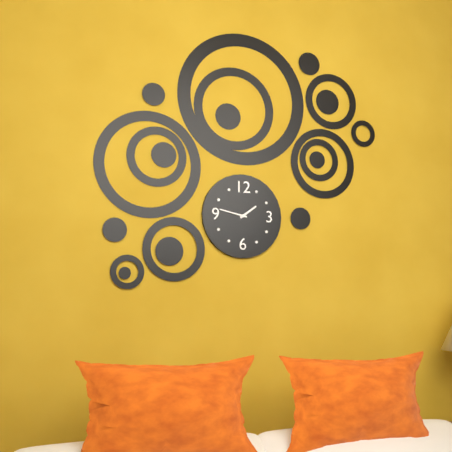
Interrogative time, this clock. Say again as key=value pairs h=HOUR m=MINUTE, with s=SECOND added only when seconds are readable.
h=1 m=47
